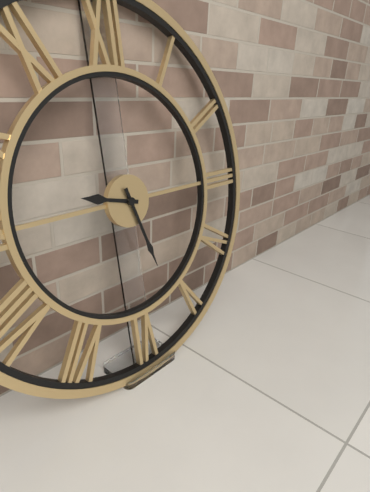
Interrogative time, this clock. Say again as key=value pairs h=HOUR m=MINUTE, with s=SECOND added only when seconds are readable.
h=9 m=27
